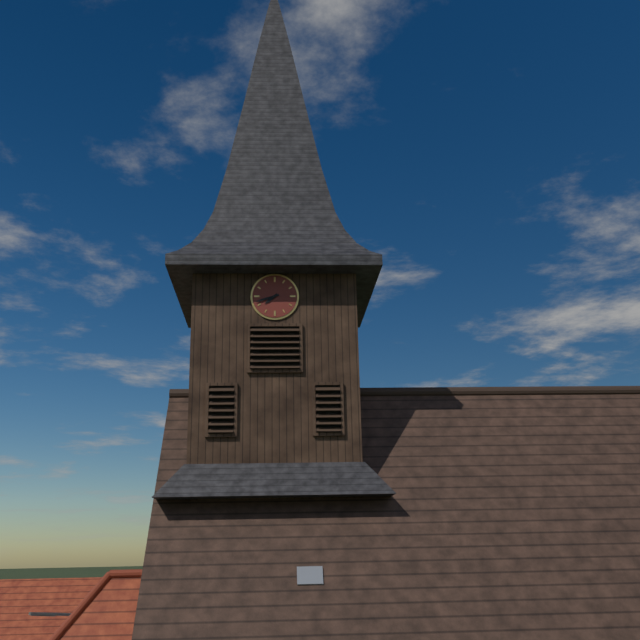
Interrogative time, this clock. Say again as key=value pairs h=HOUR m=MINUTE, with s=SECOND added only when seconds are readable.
h=7 m=42
